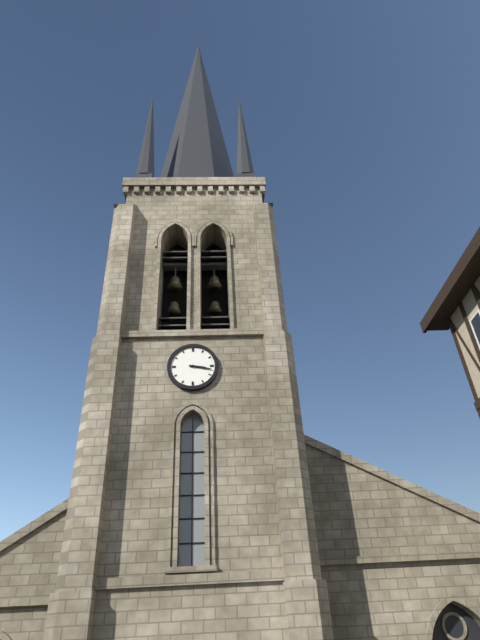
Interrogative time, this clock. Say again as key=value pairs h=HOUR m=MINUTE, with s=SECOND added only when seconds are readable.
h=3 m=17
